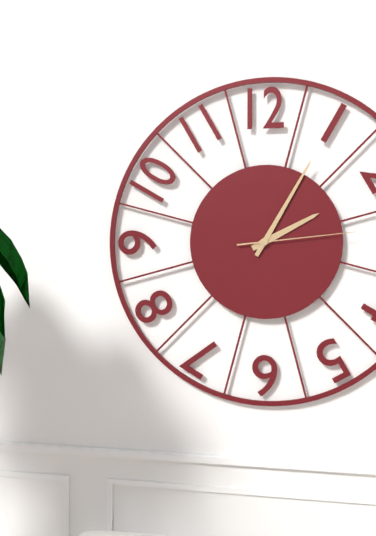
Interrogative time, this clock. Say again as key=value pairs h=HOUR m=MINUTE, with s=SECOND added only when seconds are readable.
h=2 m=5 s=14
